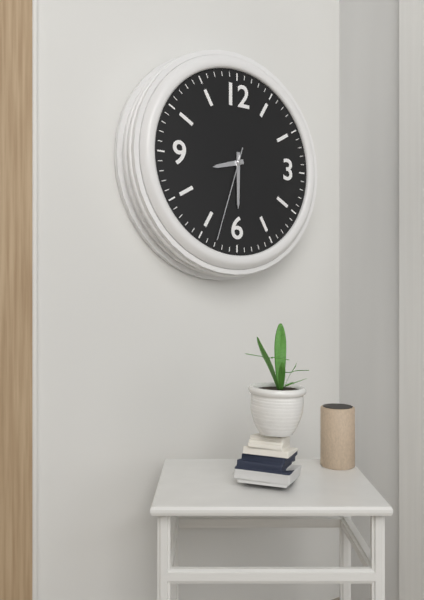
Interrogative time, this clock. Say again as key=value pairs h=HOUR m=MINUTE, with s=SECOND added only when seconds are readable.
h=8 m=30 s=33
